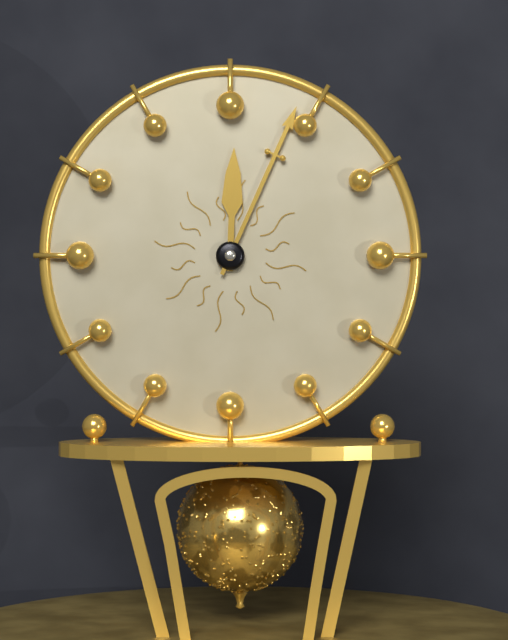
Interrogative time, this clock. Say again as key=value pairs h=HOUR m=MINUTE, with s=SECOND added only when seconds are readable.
h=12 m=4
